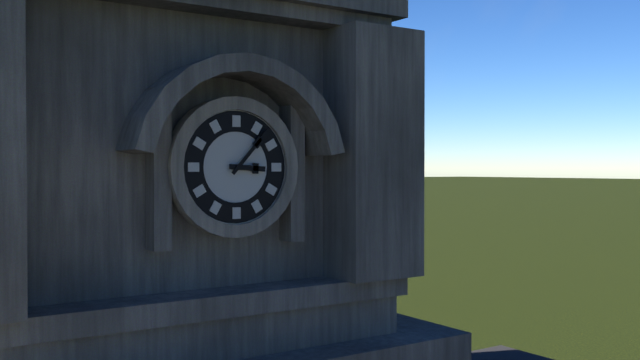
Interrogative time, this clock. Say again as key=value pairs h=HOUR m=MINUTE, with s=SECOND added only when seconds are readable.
h=3 m=7
